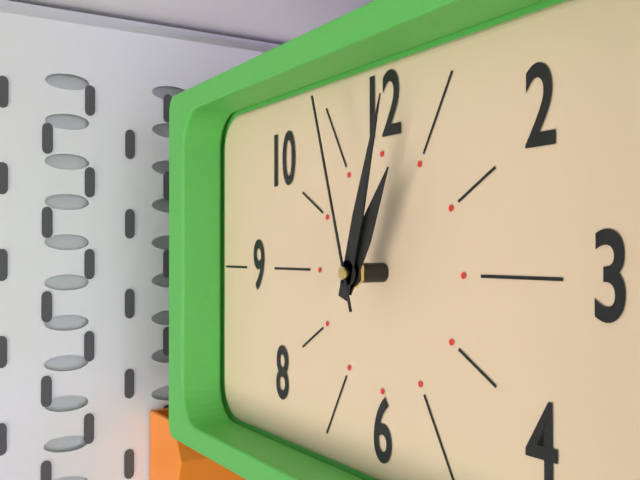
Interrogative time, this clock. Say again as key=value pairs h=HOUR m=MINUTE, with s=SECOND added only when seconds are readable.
h=1 m=3 s=57
